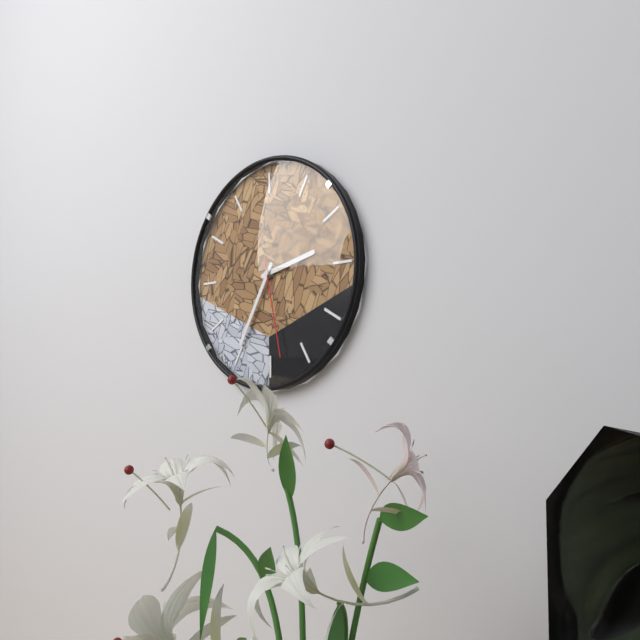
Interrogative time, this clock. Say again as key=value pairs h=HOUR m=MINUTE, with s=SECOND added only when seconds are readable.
h=2 m=35 s=28
